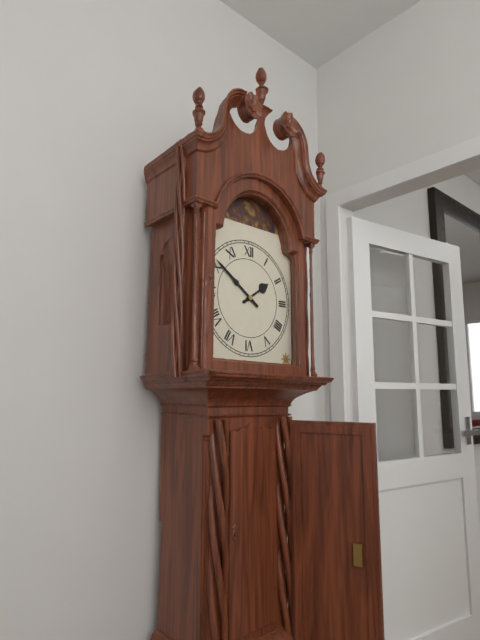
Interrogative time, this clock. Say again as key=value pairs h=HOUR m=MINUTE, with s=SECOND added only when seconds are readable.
h=1 m=51
